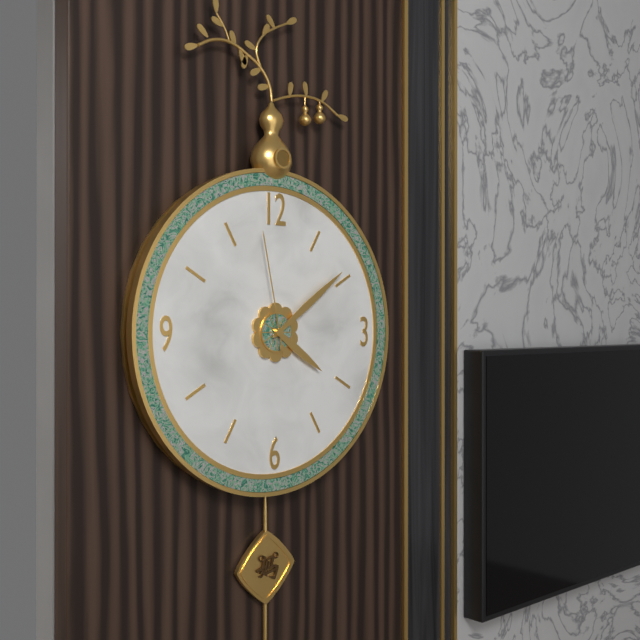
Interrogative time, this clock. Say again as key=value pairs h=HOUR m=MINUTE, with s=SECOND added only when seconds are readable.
h=4 m=9 s=58
